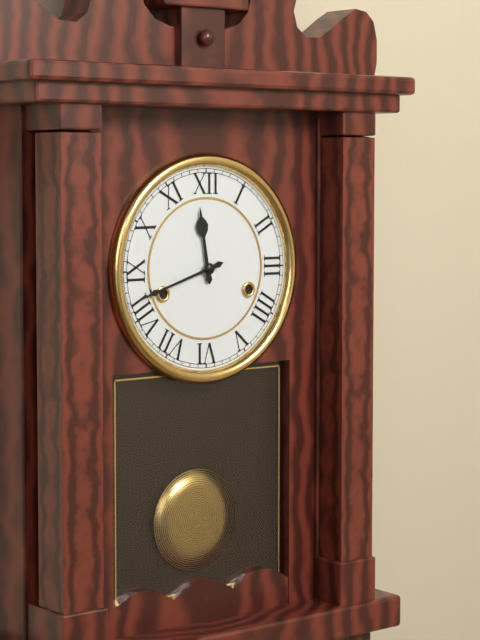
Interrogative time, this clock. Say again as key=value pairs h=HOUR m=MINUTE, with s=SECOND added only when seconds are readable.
h=11 m=42
